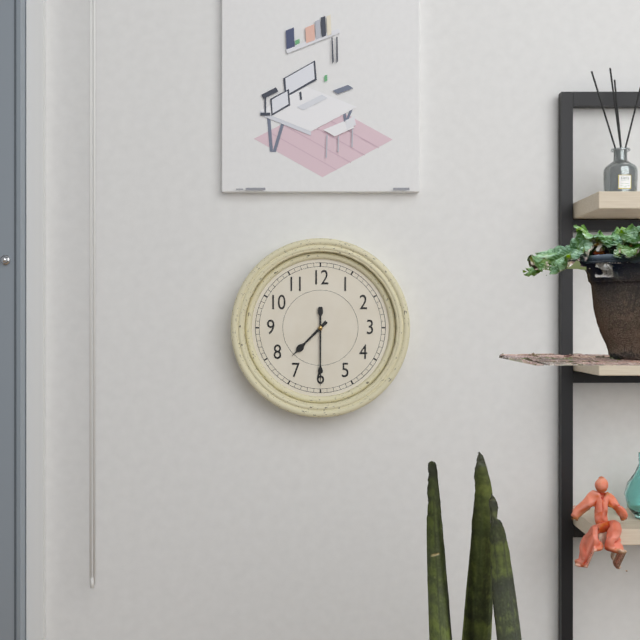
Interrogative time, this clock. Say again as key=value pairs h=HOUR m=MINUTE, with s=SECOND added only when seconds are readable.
h=7 m=30
